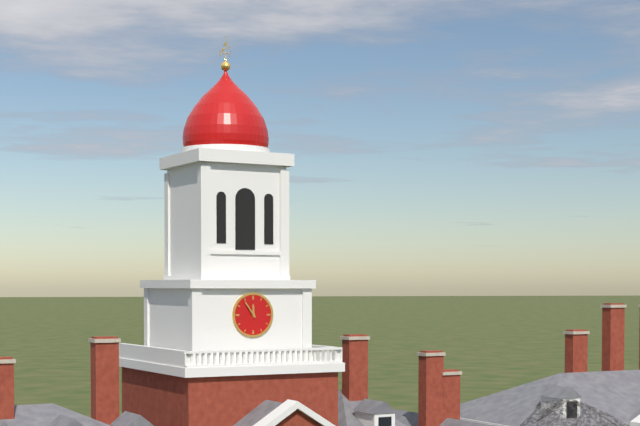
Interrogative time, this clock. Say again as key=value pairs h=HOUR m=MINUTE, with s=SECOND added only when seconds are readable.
h=11 m=54
